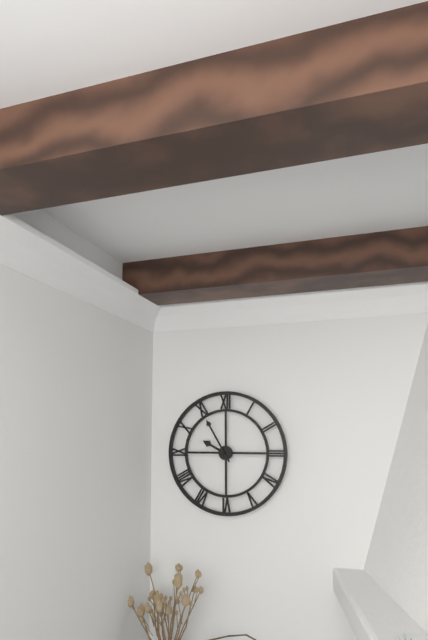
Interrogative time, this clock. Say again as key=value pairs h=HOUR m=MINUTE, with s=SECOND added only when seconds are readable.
h=9 m=55
